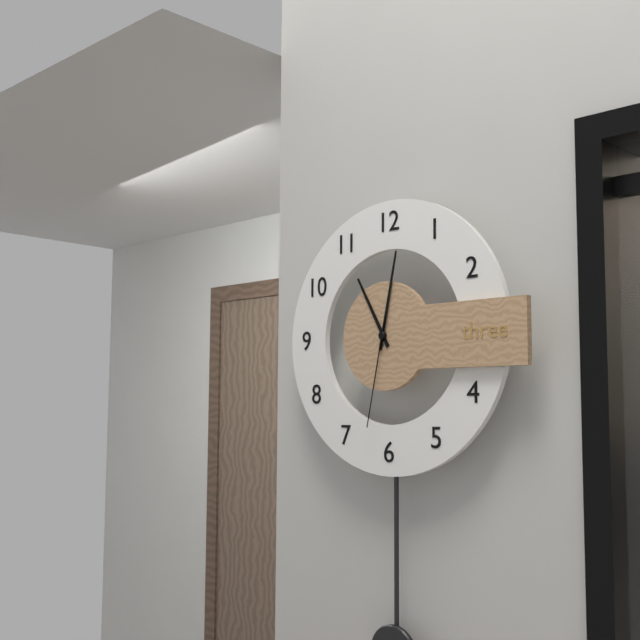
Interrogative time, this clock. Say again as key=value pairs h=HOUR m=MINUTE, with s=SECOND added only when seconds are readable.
h=11 m=2 s=32
